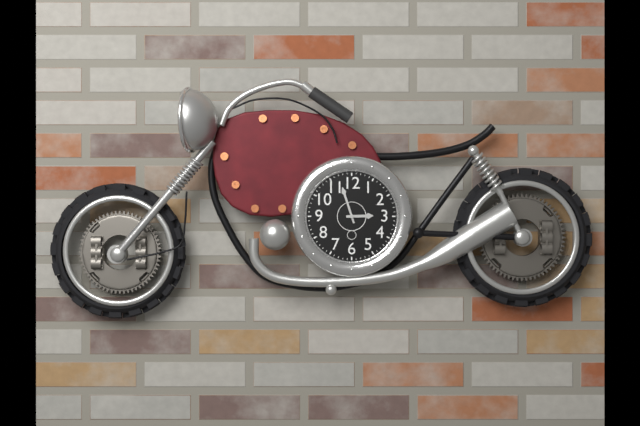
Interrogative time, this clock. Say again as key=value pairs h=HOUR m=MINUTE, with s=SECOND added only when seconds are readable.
h=2 m=57
